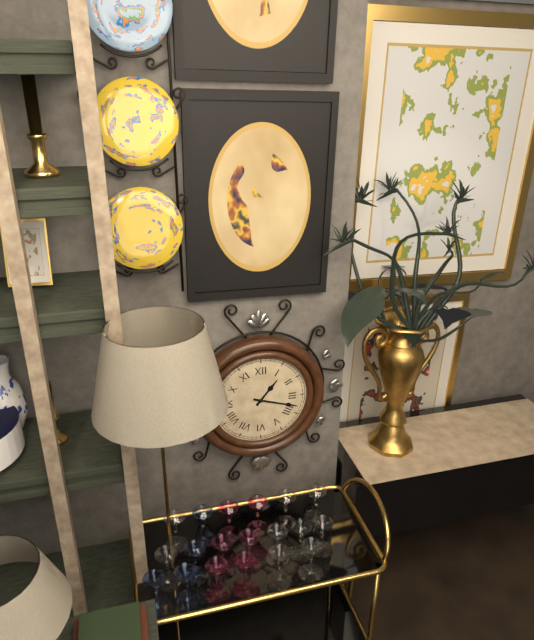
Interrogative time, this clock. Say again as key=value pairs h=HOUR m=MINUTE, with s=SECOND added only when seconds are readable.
h=1 m=18
